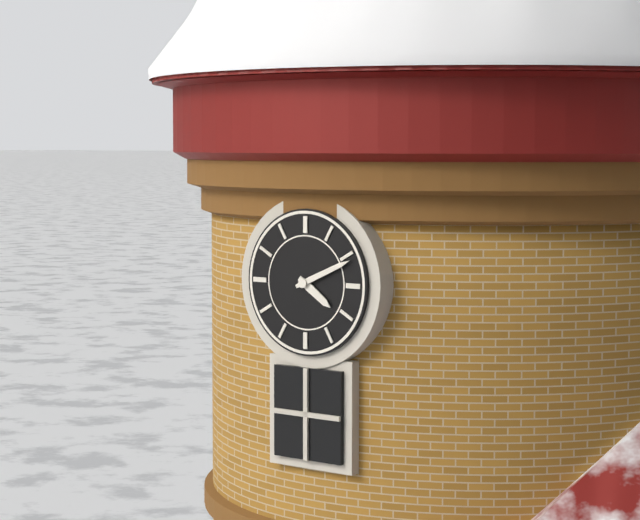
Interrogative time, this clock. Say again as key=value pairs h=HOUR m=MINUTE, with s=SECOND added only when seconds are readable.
h=4 m=11
